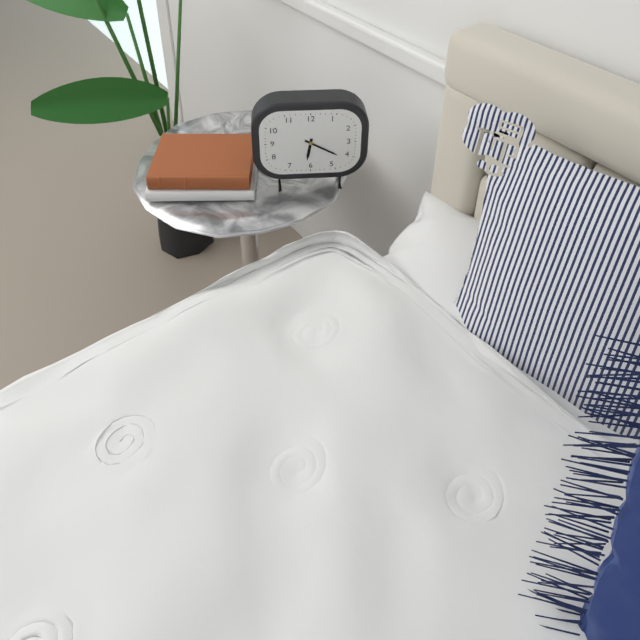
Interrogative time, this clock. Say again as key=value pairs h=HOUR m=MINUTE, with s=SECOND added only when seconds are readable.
h=6 m=20
